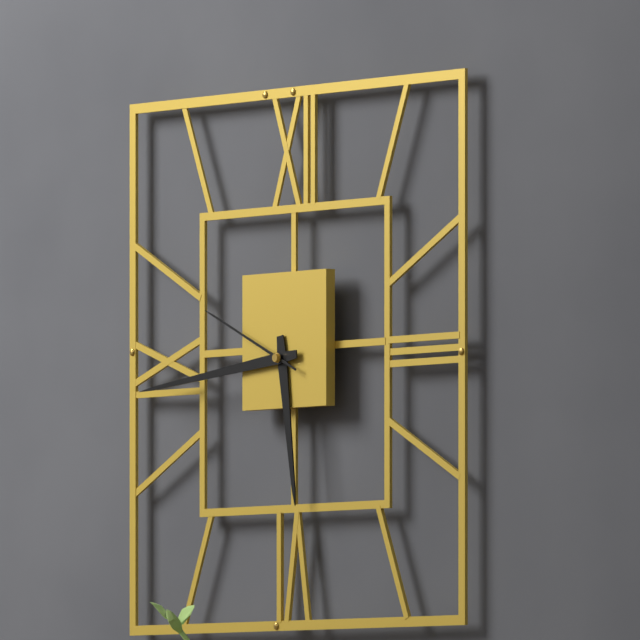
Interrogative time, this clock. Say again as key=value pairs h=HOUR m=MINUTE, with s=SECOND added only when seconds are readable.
h=5 m=44 s=49
